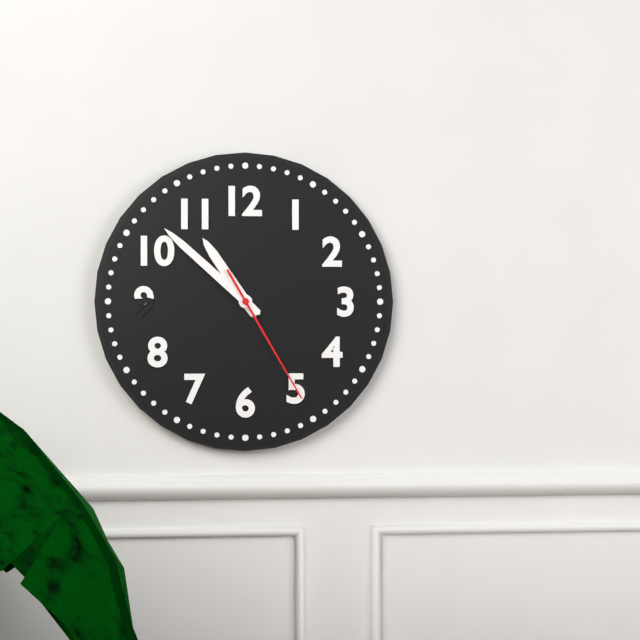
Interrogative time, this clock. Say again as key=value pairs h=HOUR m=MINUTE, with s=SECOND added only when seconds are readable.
h=10 m=52 s=25
